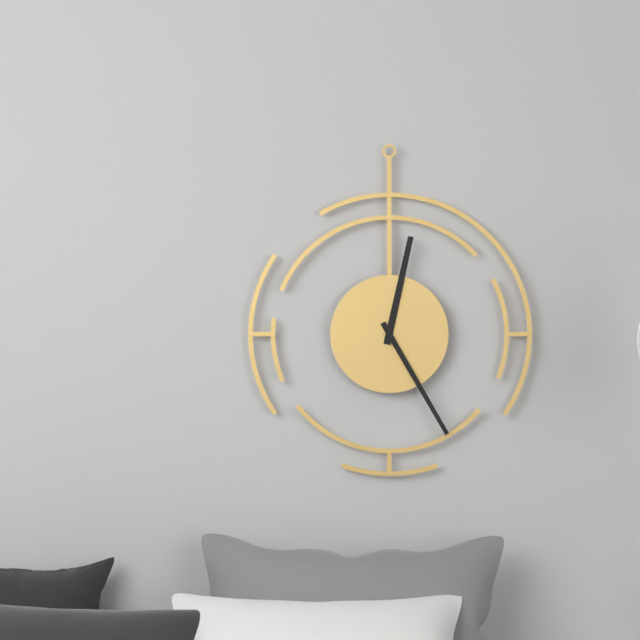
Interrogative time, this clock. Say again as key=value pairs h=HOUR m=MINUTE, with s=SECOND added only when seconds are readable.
h=12 m=25
